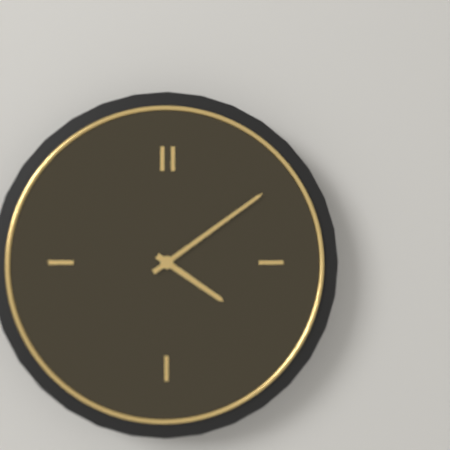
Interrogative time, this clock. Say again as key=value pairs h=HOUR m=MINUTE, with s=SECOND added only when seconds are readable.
h=4 m=9
